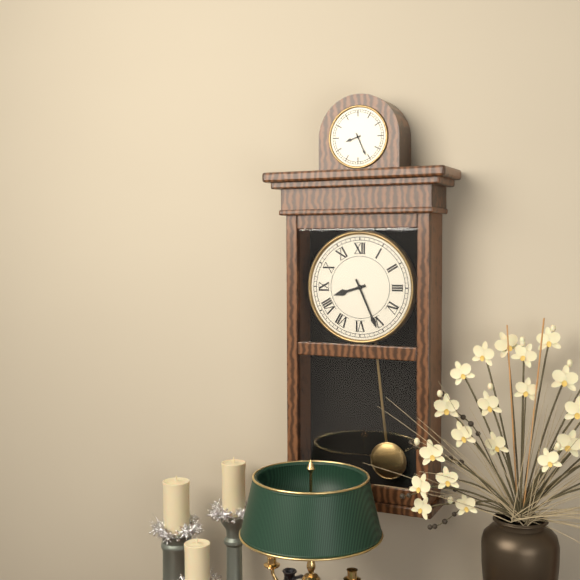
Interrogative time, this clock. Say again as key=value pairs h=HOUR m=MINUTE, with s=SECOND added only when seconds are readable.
h=8 m=26
